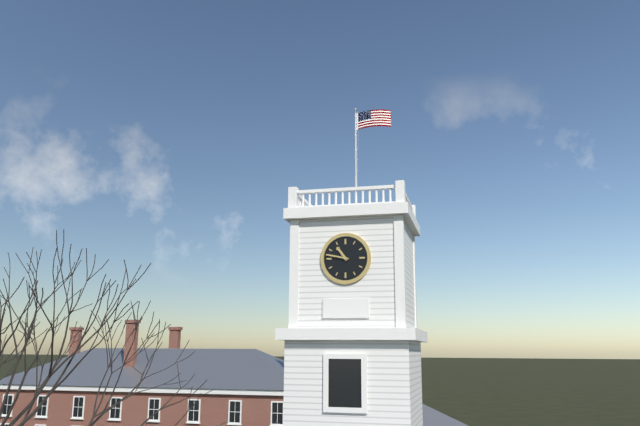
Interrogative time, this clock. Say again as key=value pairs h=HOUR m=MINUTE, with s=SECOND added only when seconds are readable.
h=10 m=47
